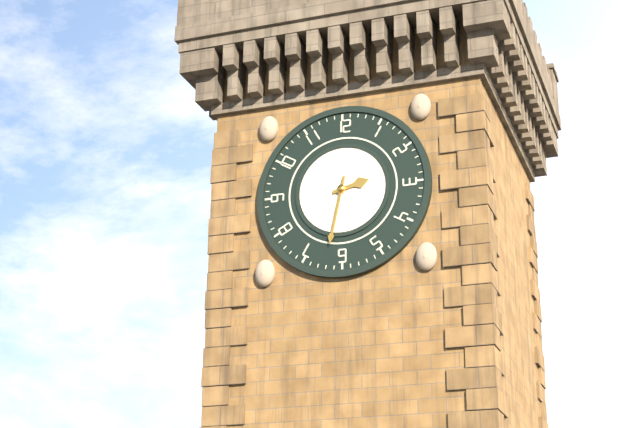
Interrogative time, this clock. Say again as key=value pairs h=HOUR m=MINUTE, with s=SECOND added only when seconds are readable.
h=2 m=32
